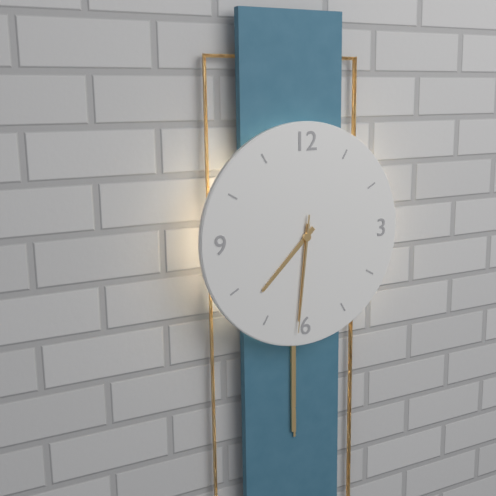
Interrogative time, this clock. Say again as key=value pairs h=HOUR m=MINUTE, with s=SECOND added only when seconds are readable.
h=7 m=31 s=31
